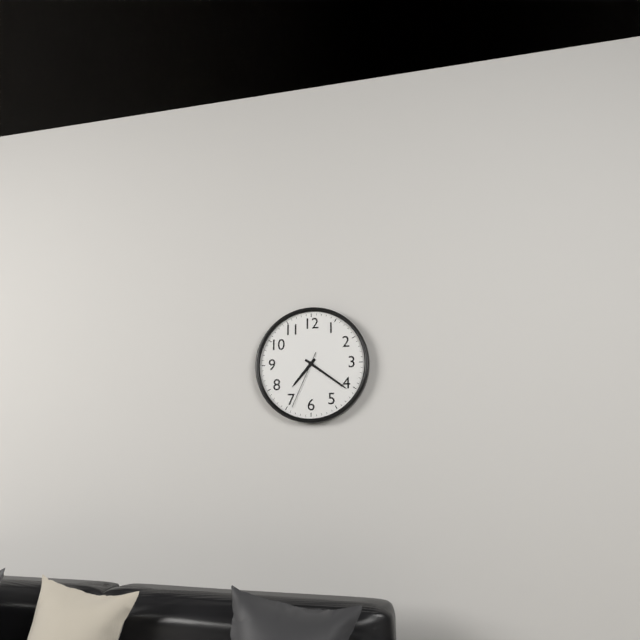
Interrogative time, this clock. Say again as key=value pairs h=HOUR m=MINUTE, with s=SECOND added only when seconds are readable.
h=7 m=21 s=34
